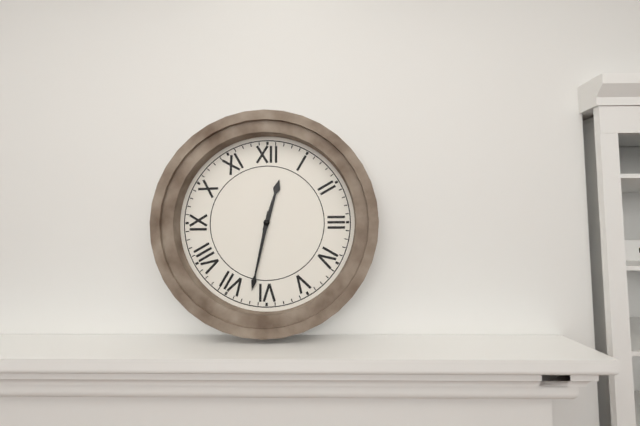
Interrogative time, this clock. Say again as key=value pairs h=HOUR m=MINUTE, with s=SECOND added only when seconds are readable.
h=12 m=32
